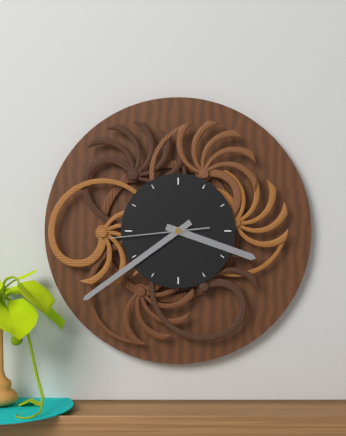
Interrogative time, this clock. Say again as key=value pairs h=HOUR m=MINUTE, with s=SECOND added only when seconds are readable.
h=3 m=39 s=44
